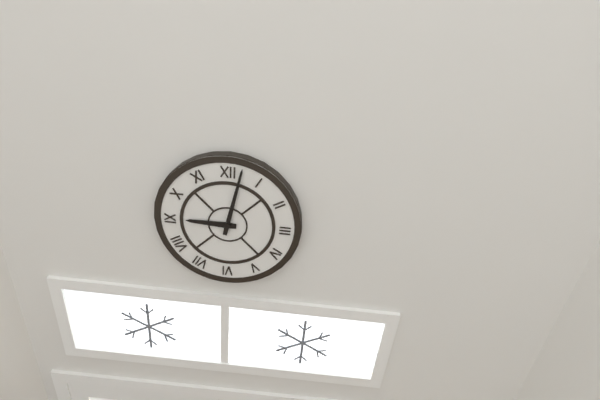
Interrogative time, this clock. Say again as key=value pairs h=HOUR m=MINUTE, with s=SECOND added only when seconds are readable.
h=9 m=2
